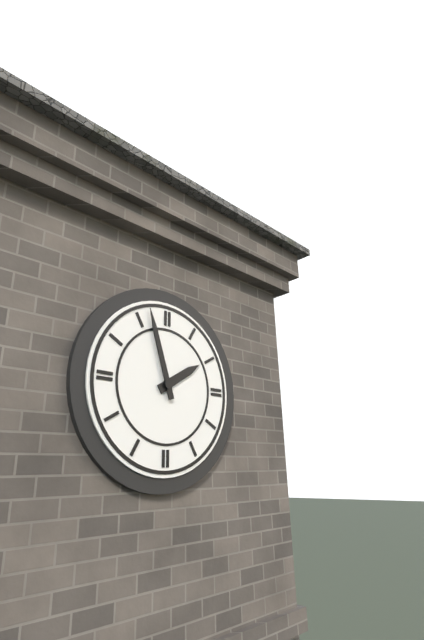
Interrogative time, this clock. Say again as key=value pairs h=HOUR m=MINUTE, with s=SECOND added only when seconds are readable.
h=1 m=57
